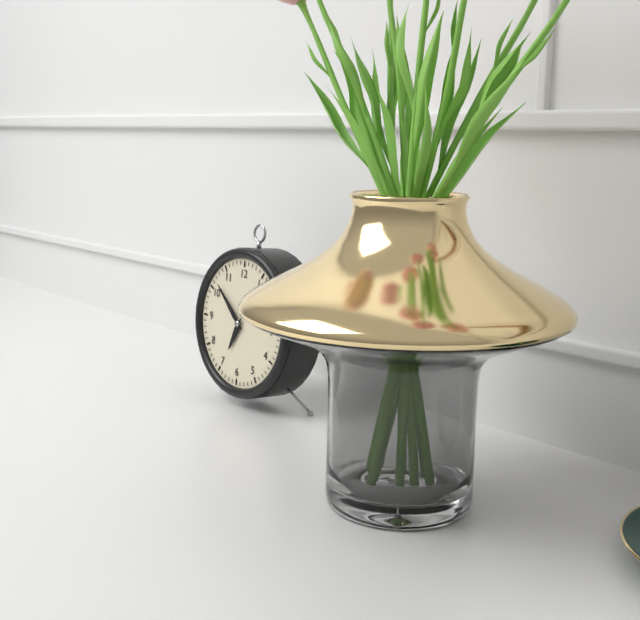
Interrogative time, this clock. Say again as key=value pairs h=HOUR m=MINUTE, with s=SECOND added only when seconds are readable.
h=6 m=52
